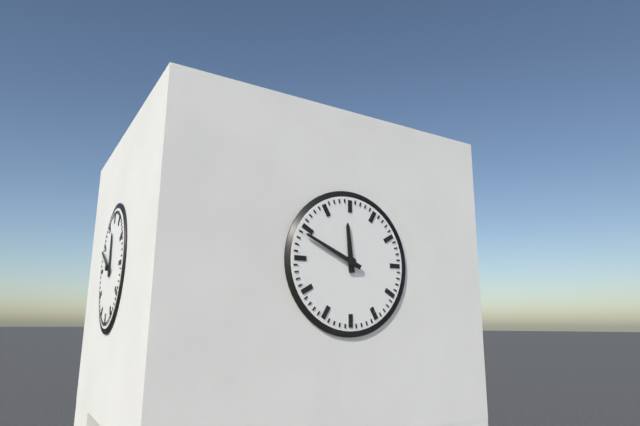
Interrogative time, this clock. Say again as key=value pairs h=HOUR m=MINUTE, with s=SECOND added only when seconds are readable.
h=11 m=49
